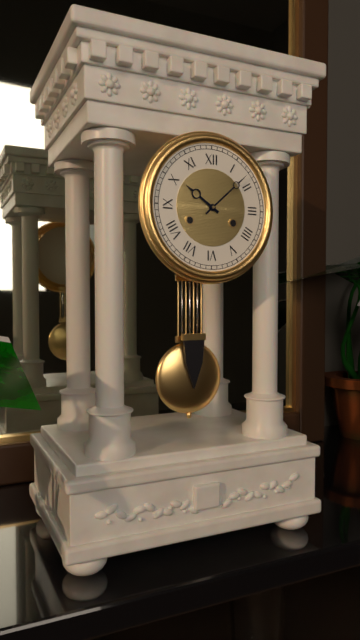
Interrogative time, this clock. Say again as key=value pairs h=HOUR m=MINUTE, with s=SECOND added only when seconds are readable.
h=10 m=8
